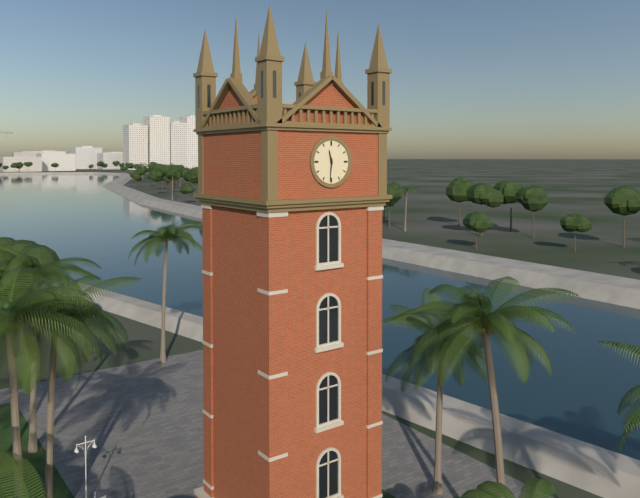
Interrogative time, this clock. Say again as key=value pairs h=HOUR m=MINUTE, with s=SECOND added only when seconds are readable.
h=11 m=31
